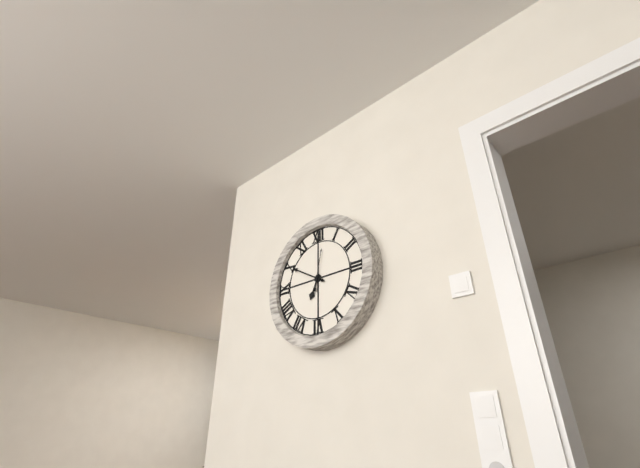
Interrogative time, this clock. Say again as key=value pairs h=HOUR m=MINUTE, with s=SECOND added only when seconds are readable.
h=6 m=50
